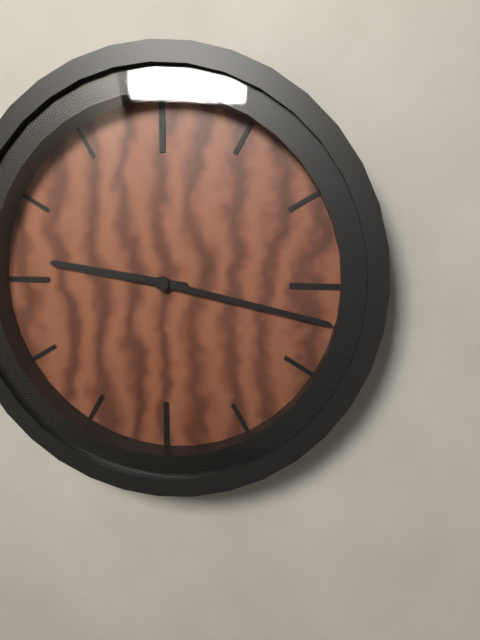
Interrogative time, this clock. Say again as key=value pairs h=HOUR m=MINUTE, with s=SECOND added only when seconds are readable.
h=9 m=17
